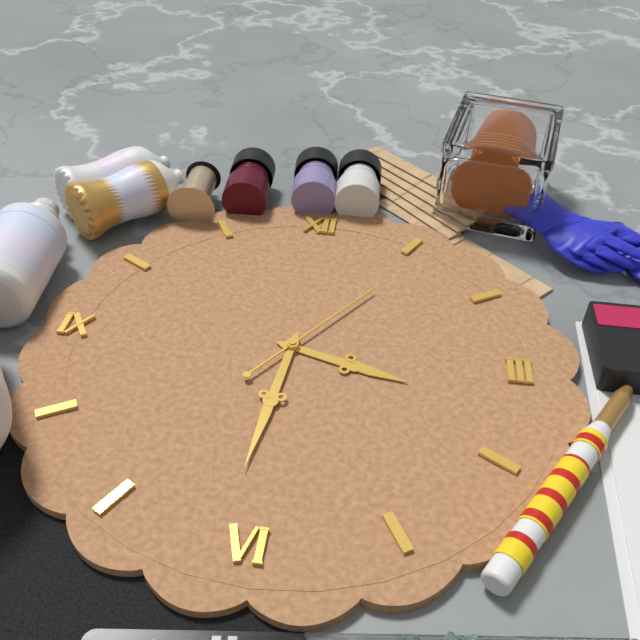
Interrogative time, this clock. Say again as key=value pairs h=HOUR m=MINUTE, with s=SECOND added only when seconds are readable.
h=3 m=31 s=6
